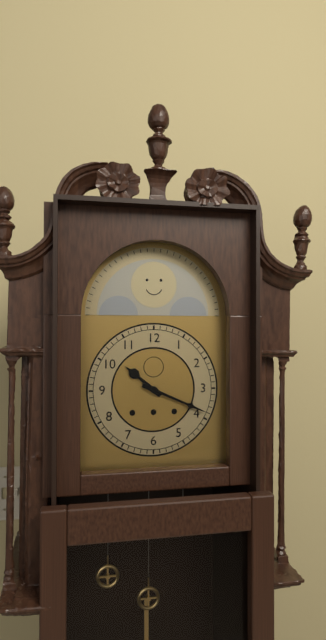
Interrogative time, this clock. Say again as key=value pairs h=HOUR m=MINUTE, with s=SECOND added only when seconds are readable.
h=10 m=19
